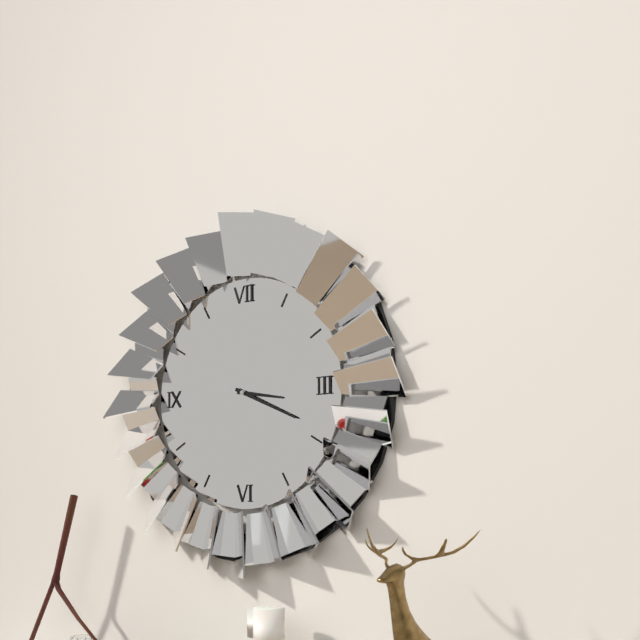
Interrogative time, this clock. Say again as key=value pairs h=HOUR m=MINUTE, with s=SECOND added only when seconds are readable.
h=3 m=19
